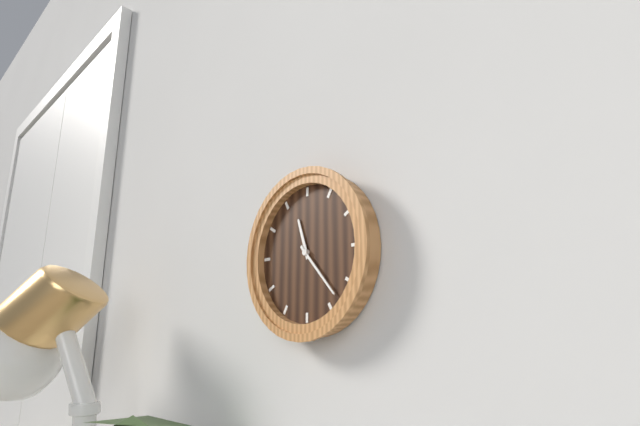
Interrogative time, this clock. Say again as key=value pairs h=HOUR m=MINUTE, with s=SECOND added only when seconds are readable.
h=11 m=23
